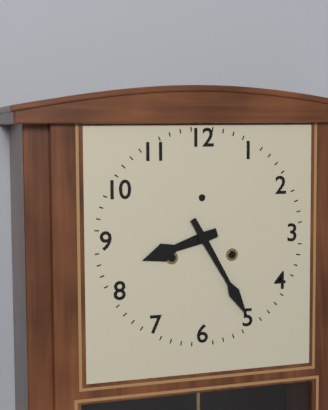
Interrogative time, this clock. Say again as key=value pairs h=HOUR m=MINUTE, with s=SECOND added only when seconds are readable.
h=8 m=25
